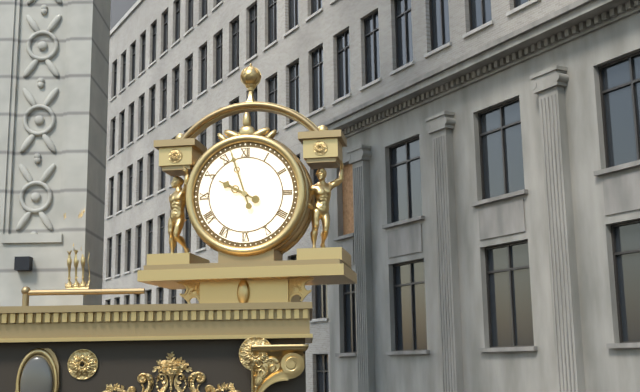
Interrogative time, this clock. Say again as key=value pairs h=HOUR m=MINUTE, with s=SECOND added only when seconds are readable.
h=9 m=57
